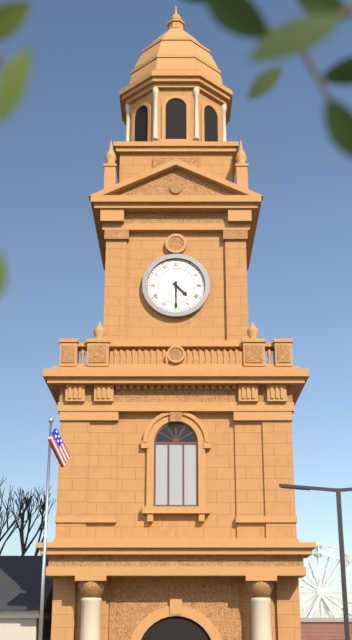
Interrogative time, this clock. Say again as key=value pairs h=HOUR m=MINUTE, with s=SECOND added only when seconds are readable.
h=4 m=30
